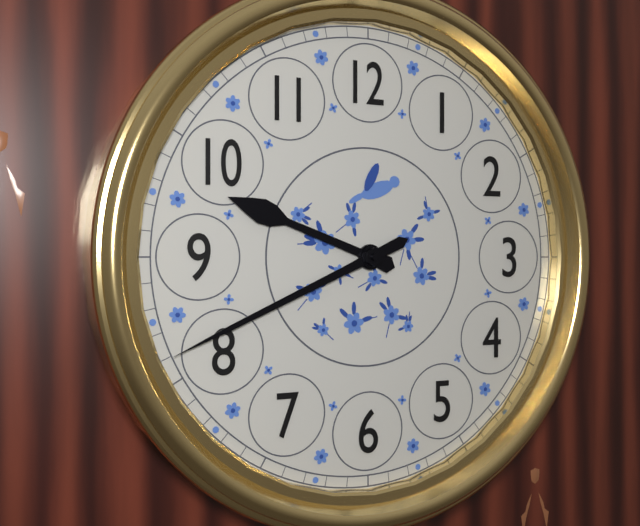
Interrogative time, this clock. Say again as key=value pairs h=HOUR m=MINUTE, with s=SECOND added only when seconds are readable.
h=9 m=41
